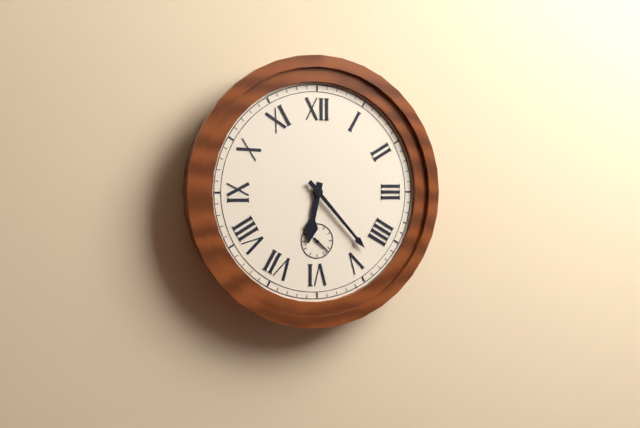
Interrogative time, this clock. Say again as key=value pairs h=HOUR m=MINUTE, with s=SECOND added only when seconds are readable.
h=6 m=23
